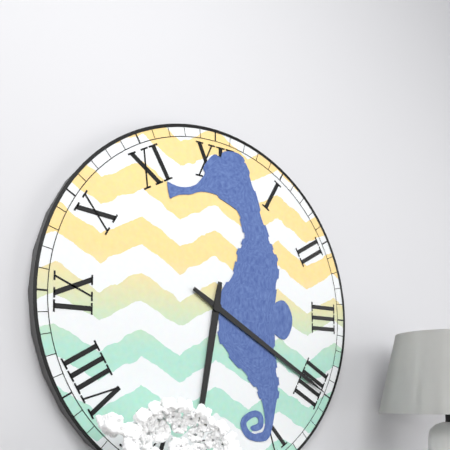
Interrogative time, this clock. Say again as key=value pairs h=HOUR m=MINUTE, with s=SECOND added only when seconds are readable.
h=6 m=20
